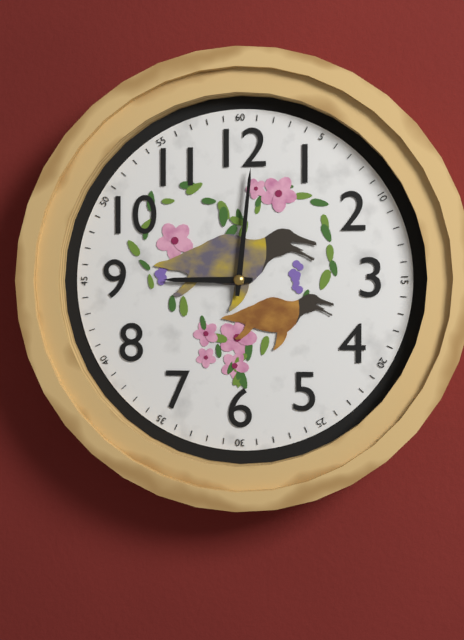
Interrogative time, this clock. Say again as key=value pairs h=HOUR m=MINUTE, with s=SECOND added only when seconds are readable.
h=9 m=1
